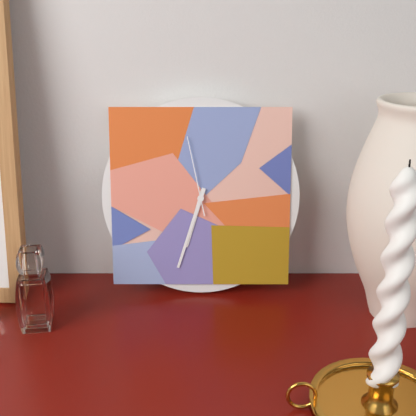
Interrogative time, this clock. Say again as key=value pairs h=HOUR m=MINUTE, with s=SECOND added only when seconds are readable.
h=6 m=33 s=58
